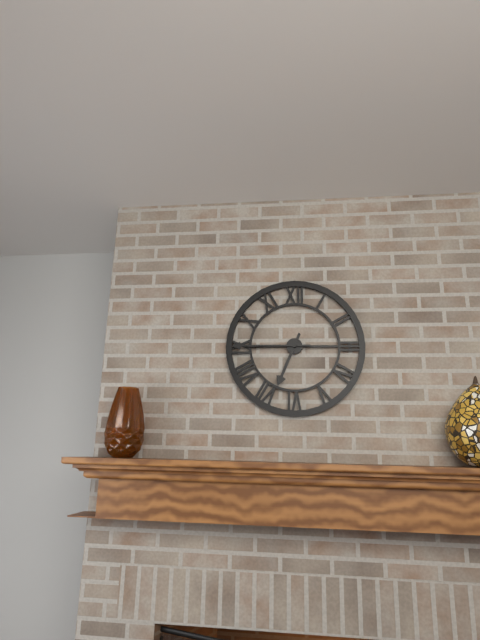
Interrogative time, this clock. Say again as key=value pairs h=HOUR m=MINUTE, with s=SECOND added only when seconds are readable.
h=6 m=45
